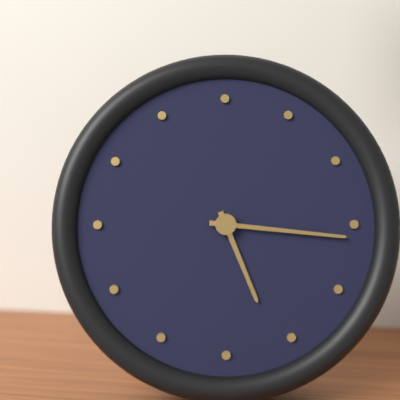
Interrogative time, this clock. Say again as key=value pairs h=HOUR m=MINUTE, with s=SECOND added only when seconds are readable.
h=5 m=16
